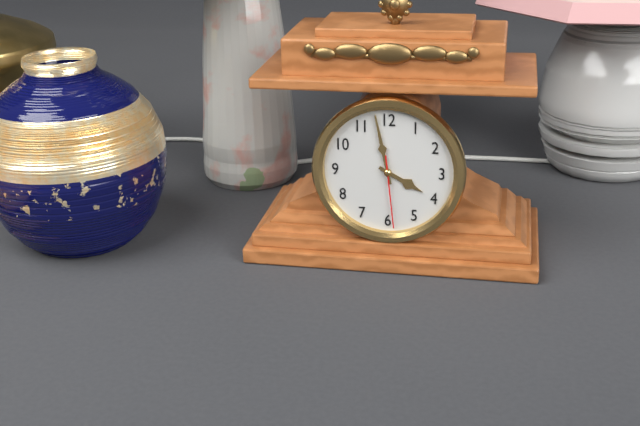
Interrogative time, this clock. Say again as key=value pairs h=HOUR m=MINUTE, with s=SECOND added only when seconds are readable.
h=3 m=58 s=29
